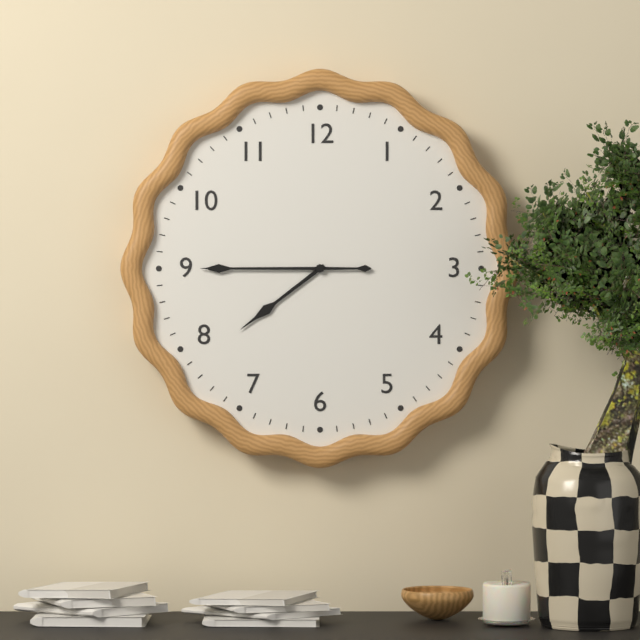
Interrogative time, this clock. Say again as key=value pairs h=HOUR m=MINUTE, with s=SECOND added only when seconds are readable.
h=7 m=45
